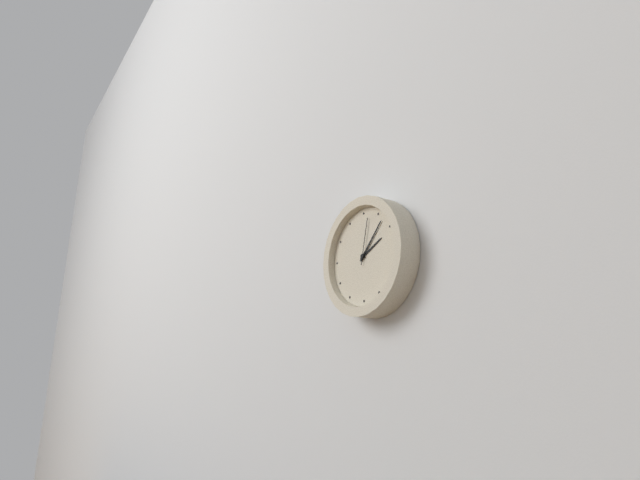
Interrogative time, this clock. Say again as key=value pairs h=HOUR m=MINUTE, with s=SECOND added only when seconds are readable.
h=2 m=7
